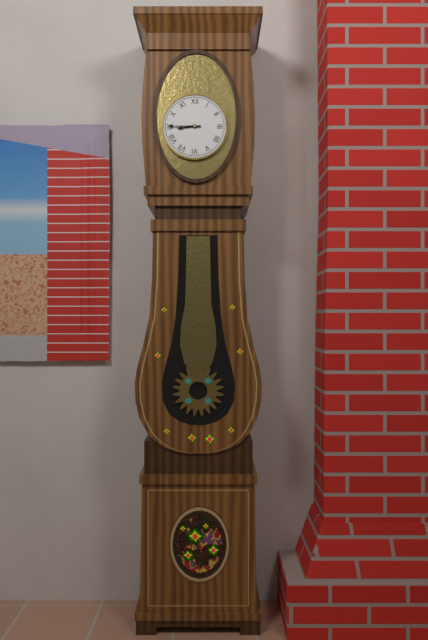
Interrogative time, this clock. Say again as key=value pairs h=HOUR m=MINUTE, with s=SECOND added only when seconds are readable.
h=8 m=45
